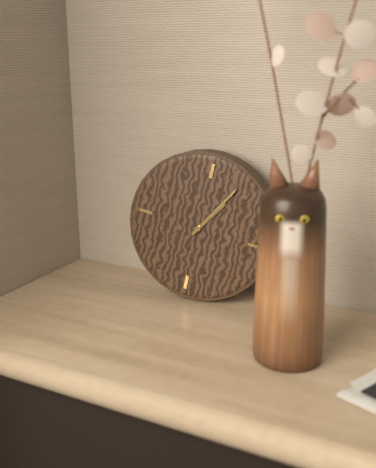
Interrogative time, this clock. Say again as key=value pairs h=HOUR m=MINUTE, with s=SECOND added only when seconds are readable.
h=1 m=5
